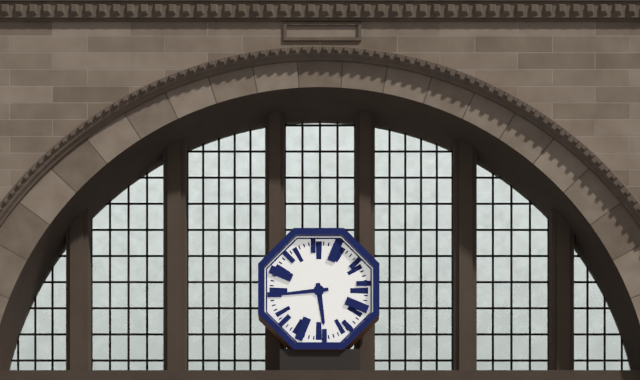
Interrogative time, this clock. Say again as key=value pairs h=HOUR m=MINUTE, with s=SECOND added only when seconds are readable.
h=5 m=44
